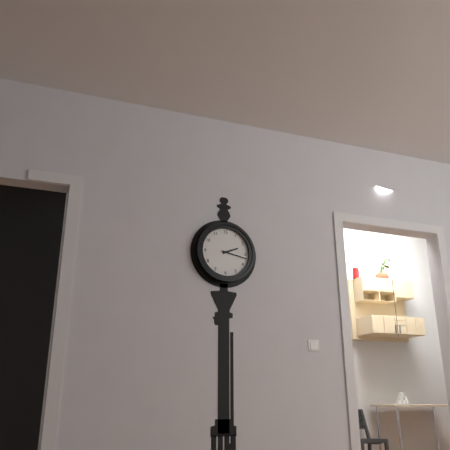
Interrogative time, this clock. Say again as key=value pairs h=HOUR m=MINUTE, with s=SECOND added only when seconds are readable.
h=2 m=17
